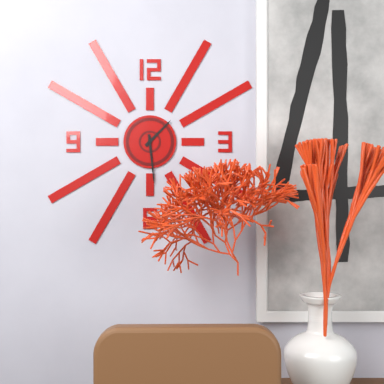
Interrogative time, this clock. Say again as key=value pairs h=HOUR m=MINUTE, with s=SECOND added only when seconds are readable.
h=1 m=29
